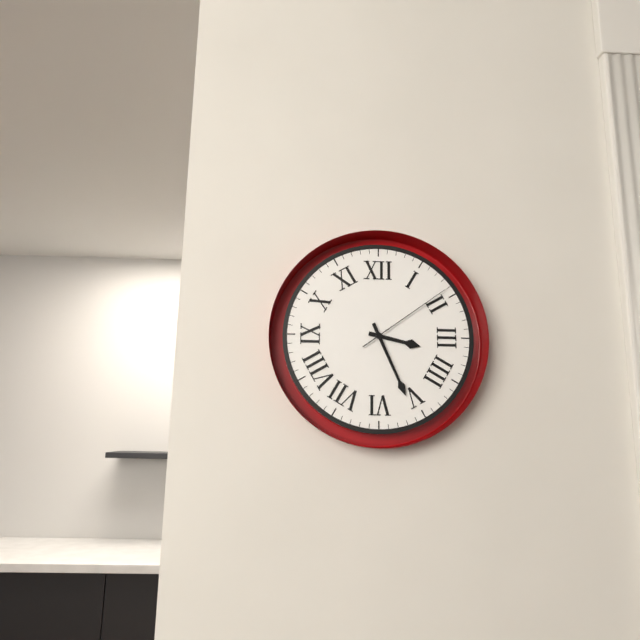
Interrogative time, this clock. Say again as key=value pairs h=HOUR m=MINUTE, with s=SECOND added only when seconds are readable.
h=3 m=26 s=9
